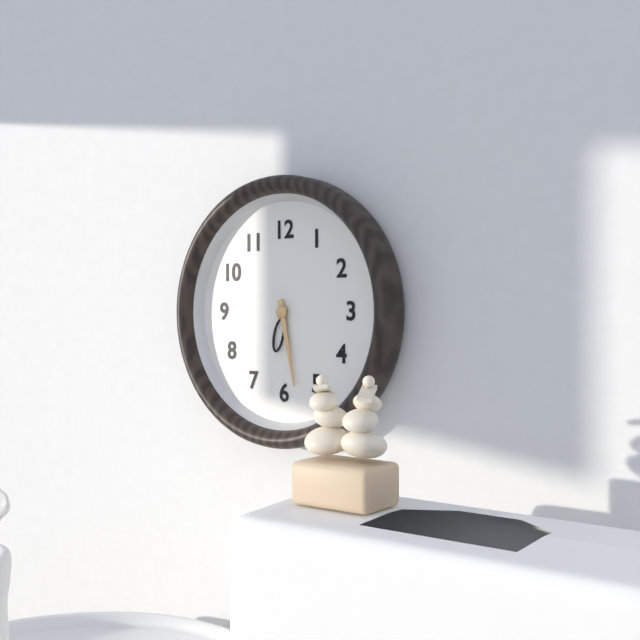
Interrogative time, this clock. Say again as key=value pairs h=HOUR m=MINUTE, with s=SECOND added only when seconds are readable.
h=6 m=28
